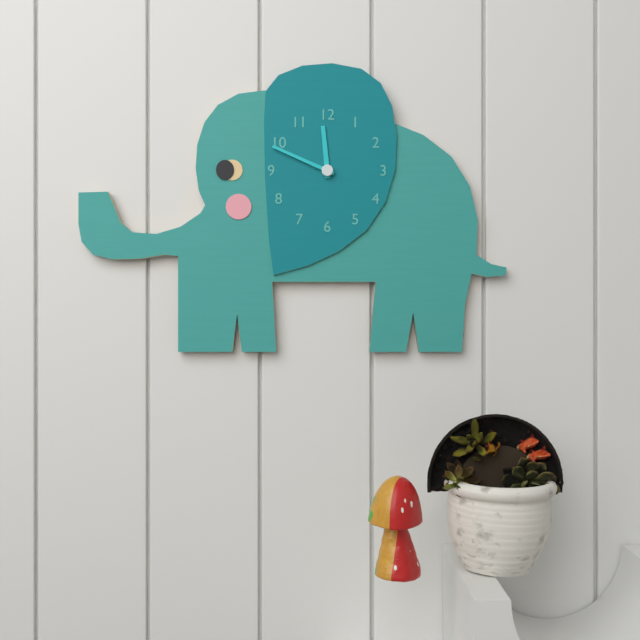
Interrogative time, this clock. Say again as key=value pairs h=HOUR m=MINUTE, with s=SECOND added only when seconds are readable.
h=11 m=49
